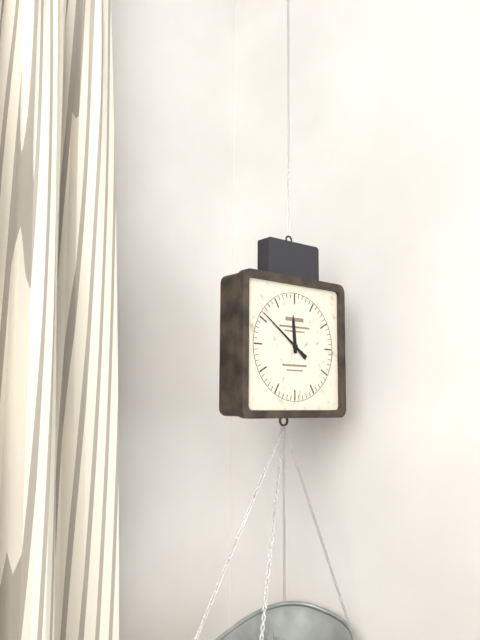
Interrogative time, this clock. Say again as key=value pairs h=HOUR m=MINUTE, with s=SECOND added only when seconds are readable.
h=11 m=51
